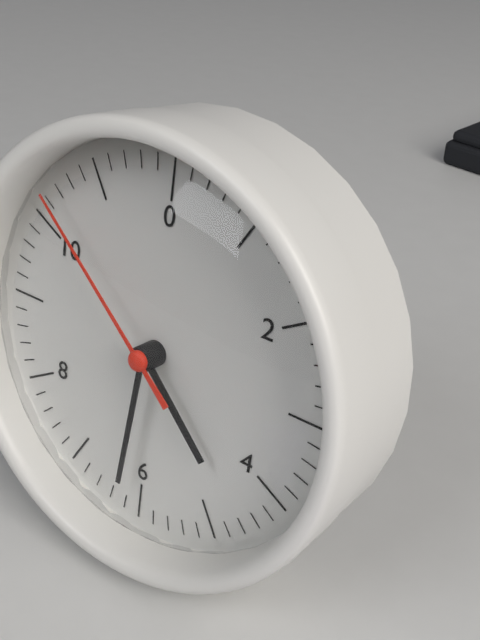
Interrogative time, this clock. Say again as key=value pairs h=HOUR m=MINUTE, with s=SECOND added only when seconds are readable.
h=4 m=31 s=52
